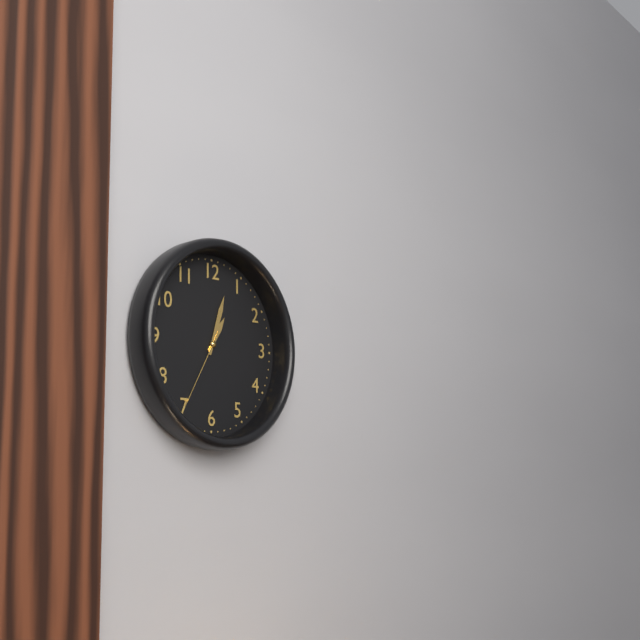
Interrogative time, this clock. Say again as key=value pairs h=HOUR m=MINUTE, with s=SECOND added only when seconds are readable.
h=1 m=3 s=35
